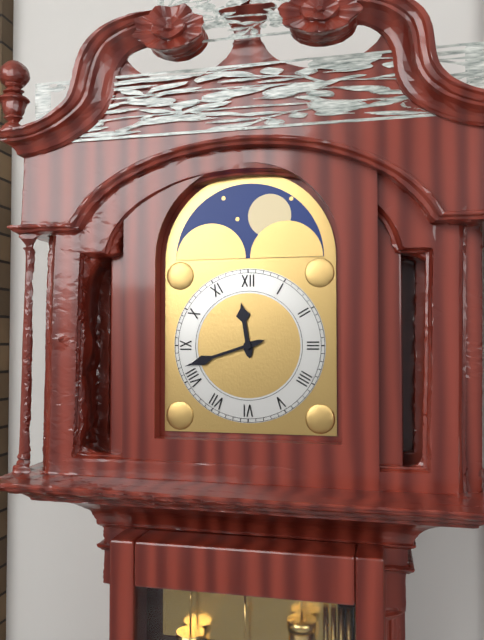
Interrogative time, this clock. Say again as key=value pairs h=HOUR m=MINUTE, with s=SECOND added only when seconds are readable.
h=11 m=42
